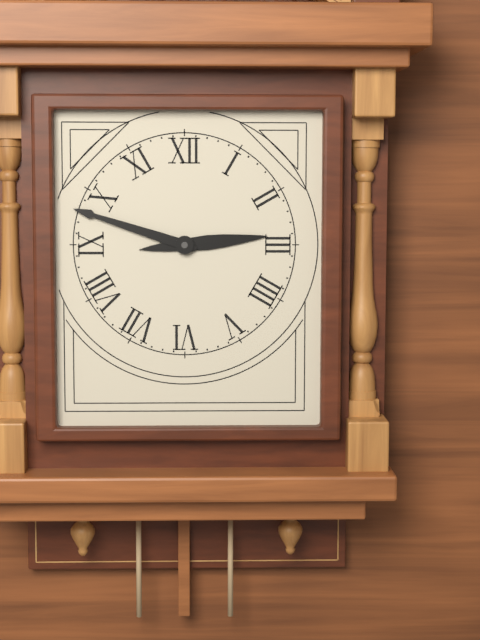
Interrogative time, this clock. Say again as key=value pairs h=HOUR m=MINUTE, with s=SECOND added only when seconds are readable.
h=2 m=48
